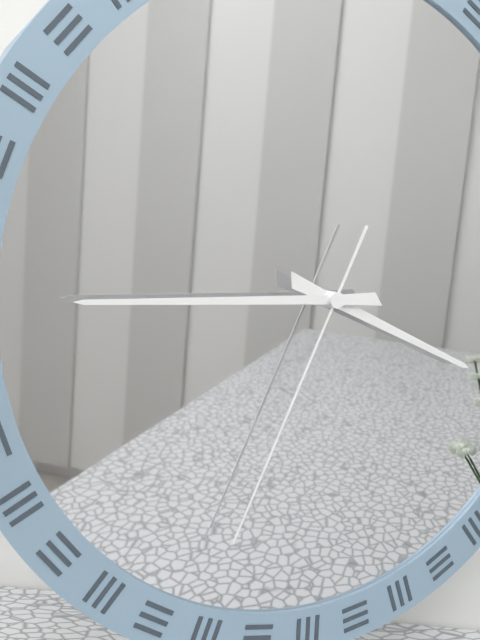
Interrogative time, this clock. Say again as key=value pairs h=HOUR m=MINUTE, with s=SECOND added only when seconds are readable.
h=3 m=45 s=34
